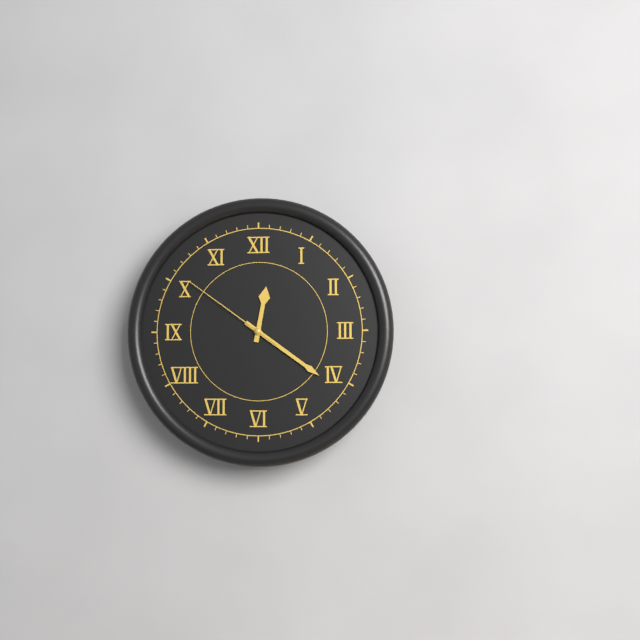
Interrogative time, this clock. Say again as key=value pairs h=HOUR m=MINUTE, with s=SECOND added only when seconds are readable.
h=12 m=21 s=51
